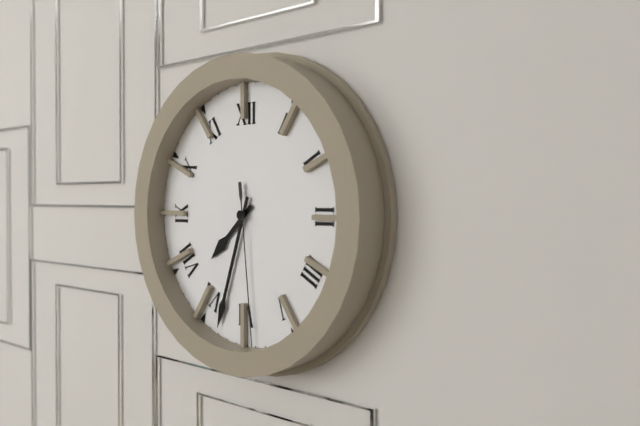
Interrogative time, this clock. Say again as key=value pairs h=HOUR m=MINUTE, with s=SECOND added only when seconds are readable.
h=7 m=33 s=29
